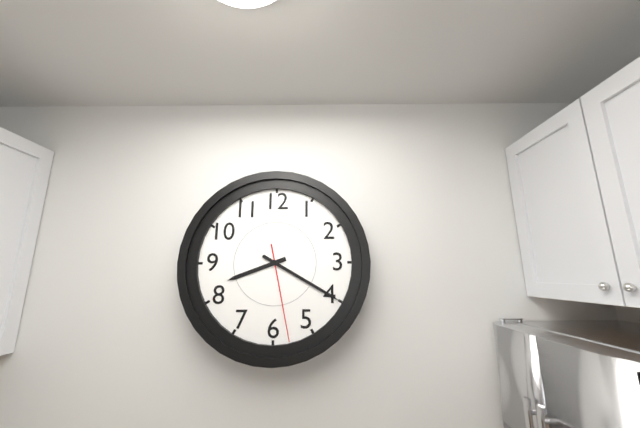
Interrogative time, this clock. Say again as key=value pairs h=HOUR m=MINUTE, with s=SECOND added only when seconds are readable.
h=8 m=20 s=28
